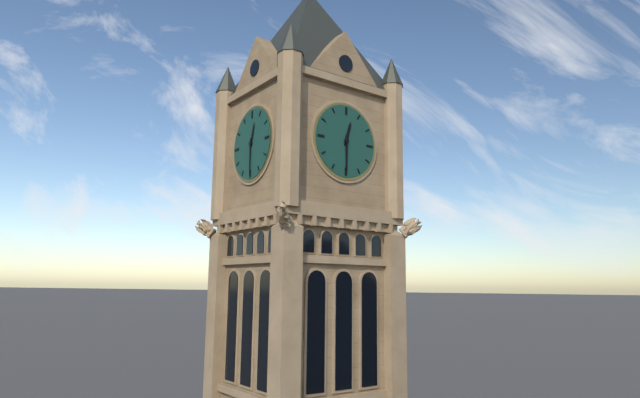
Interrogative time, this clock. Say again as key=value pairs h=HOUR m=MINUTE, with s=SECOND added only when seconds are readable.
h=12 m=30
